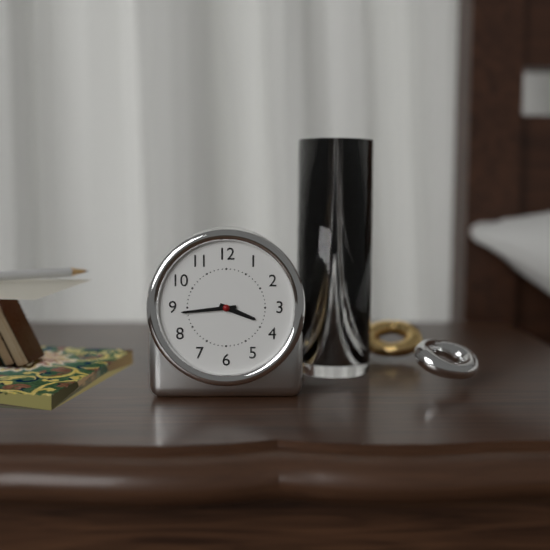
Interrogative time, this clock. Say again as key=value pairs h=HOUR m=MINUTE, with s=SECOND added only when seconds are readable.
h=3 m=44
